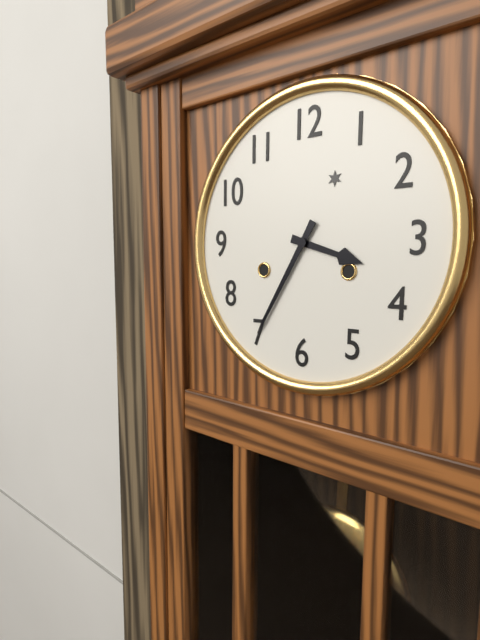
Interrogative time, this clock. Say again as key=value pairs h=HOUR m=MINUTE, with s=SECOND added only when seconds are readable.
h=3 m=35
